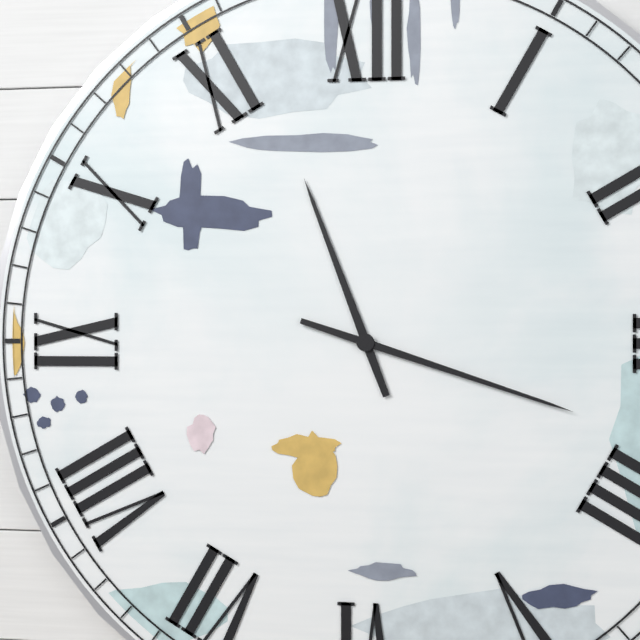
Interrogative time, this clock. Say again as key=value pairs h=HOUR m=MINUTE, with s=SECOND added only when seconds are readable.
h=11 m=18
